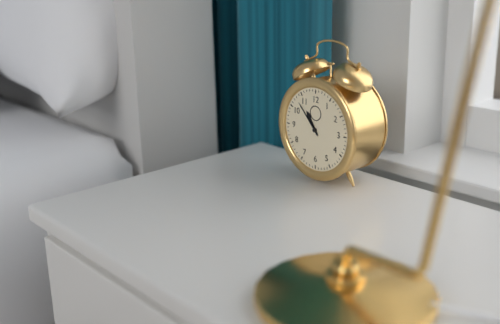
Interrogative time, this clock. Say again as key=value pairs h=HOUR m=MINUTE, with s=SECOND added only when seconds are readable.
h=10 m=53
